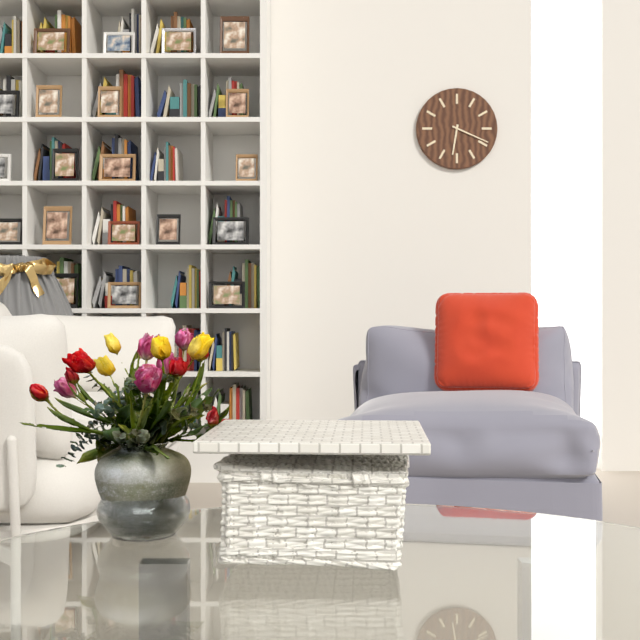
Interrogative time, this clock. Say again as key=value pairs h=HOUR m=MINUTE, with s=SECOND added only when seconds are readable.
h=6 m=19
